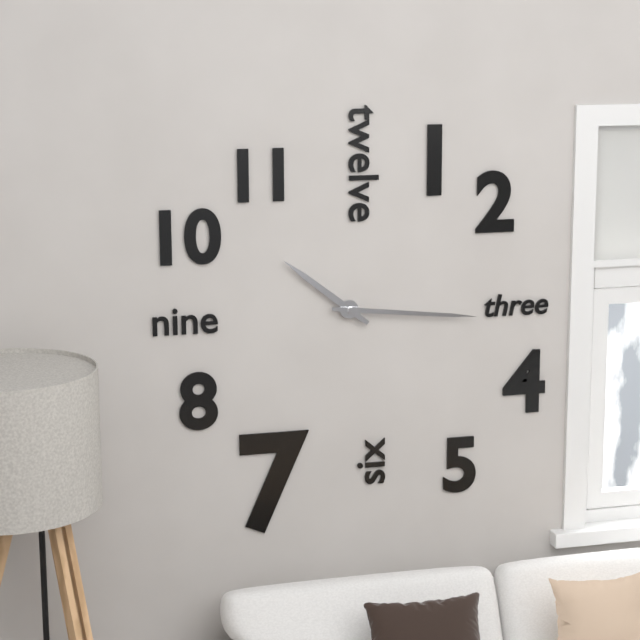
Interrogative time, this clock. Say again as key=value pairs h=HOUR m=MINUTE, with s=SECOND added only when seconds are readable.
h=10 m=16
